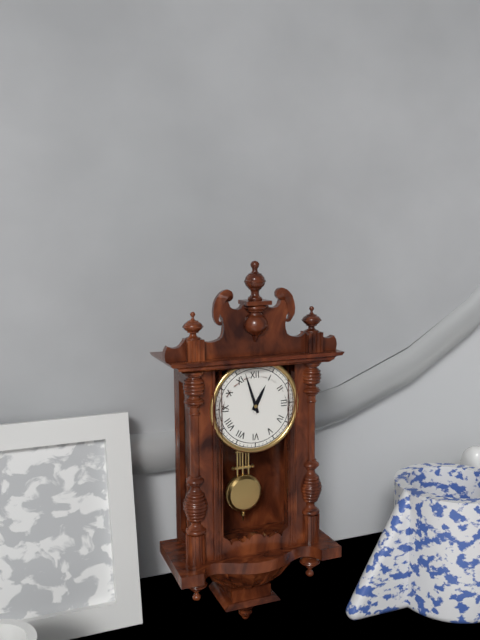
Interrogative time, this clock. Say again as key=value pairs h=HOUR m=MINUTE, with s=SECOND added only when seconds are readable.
h=12 m=57
